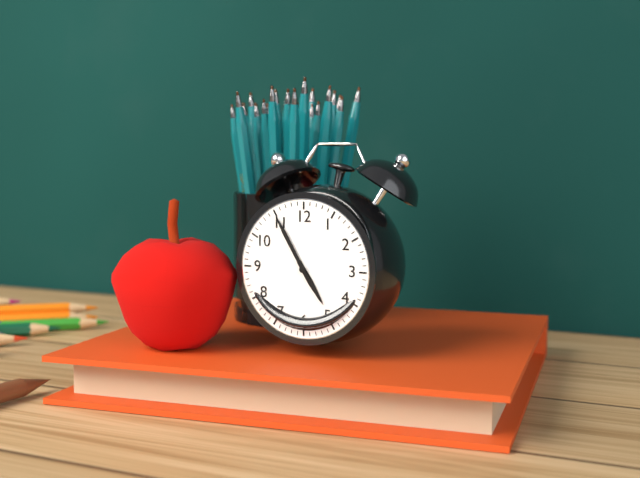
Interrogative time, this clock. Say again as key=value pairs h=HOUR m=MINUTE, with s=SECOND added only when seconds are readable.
h=4 m=55
